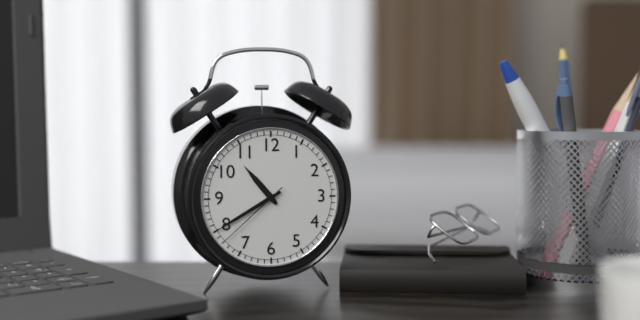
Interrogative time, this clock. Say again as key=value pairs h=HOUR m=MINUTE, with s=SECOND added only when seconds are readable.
h=10 m=40 s=38
